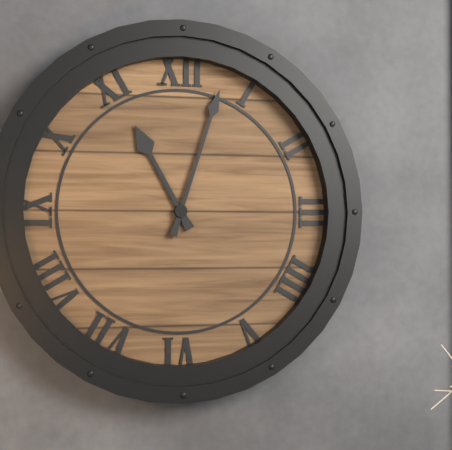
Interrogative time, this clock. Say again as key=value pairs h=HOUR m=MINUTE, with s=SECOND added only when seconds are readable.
h=11 m=3
